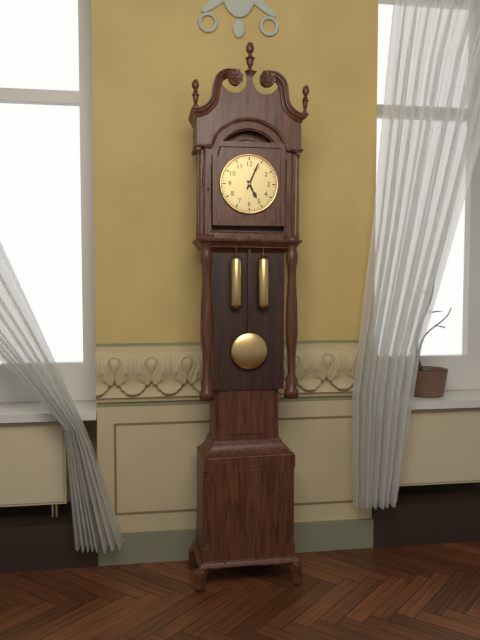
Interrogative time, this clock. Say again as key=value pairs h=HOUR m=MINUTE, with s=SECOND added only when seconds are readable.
h=5 m=4
